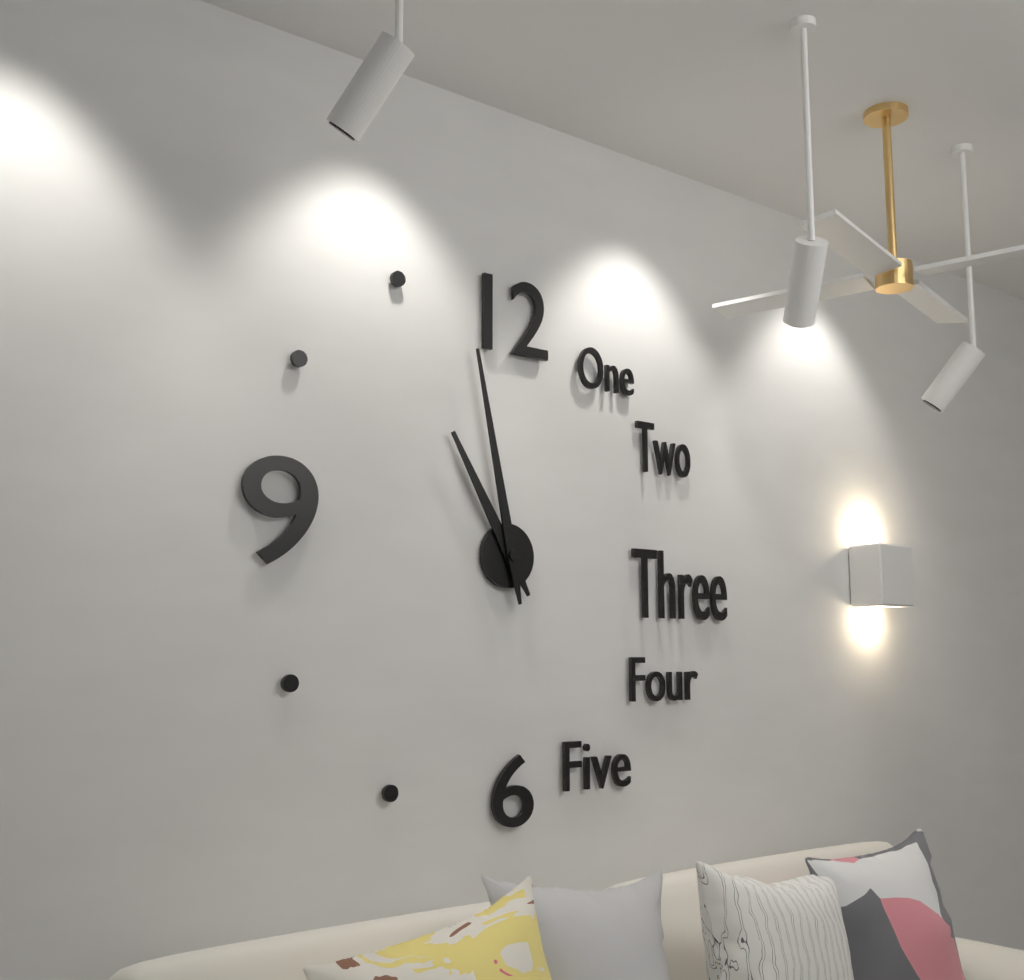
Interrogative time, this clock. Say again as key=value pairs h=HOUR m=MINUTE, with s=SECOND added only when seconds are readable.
h=10 m=58
